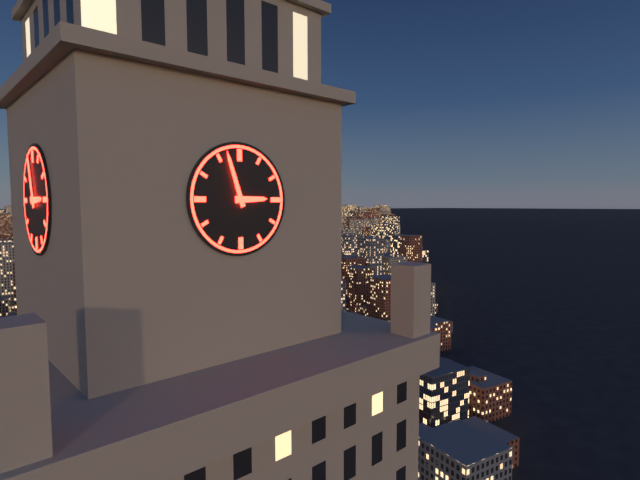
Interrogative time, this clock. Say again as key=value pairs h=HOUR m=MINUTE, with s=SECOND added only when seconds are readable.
h=2 m=57
